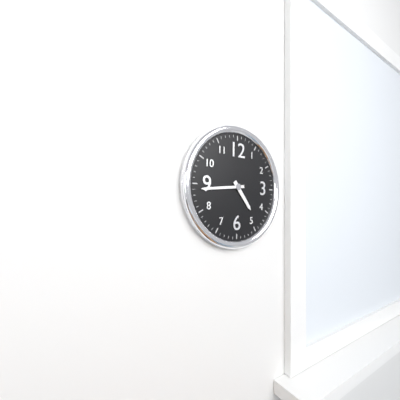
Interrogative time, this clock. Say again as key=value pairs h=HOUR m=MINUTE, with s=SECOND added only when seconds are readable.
h=4 m=44
